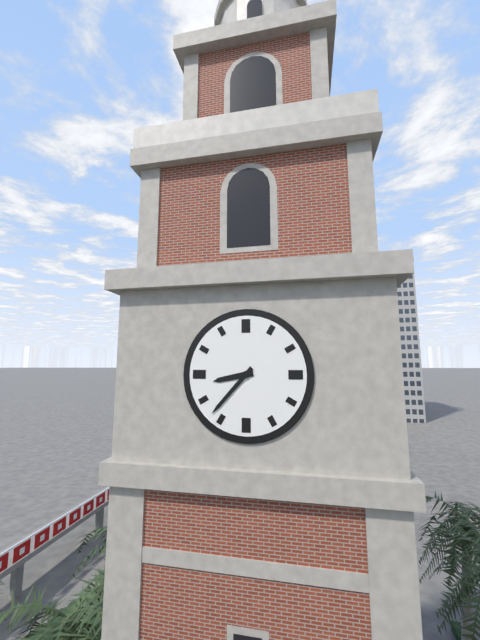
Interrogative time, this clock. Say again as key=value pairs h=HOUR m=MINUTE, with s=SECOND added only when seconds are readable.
h=8 m=37
